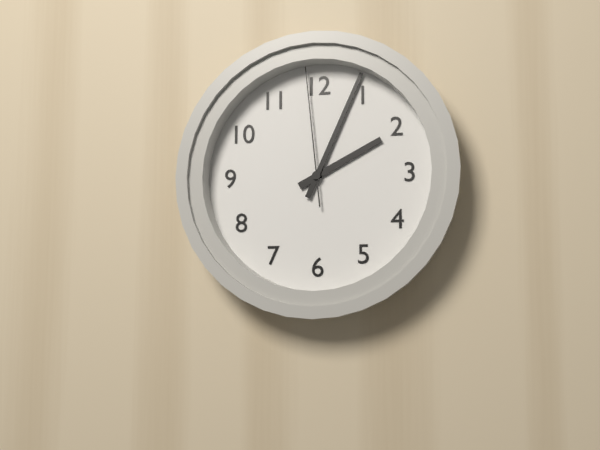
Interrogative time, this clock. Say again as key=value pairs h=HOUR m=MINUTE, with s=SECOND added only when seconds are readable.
h=2 m=4 s=59
